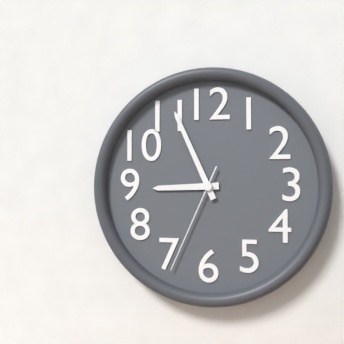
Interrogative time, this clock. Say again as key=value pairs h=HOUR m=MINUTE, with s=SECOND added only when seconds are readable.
h=8 m=56 s=34
